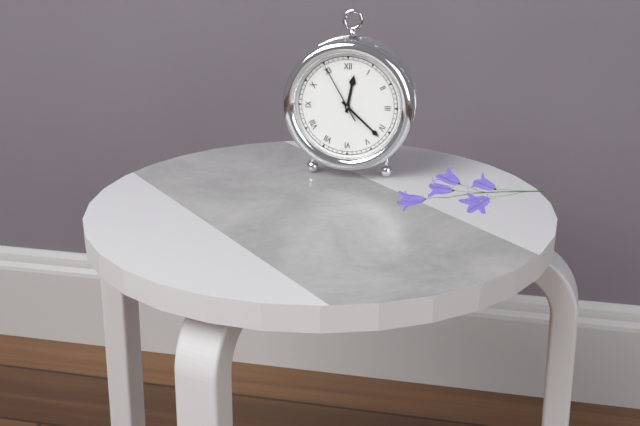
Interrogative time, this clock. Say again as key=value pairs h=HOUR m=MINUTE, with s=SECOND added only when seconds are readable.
h=12 m=22 s=55
